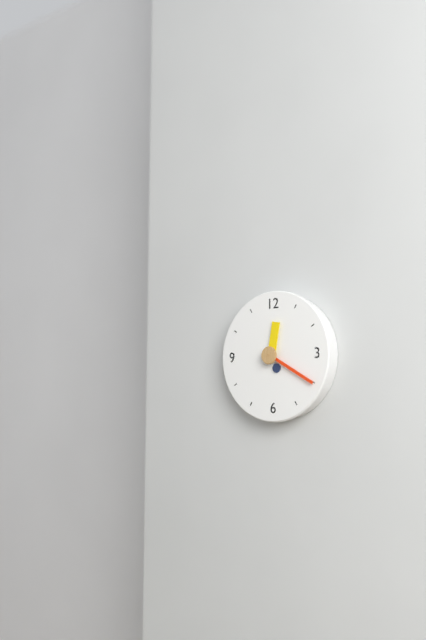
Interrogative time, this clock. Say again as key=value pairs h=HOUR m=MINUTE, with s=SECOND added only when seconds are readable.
h=12 m=20
